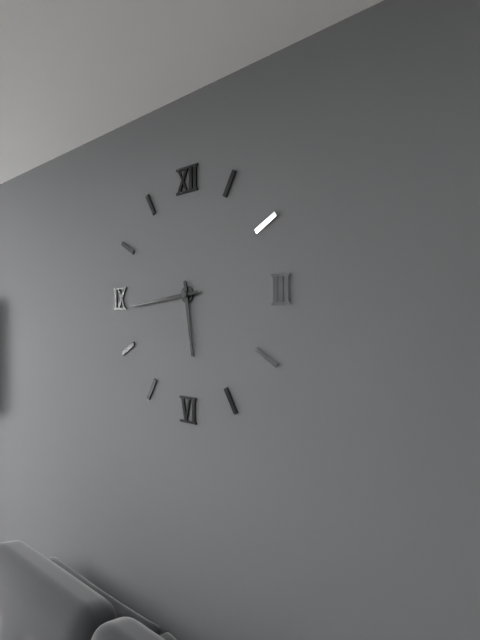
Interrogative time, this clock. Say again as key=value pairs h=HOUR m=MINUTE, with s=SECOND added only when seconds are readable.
h=5 m=44
